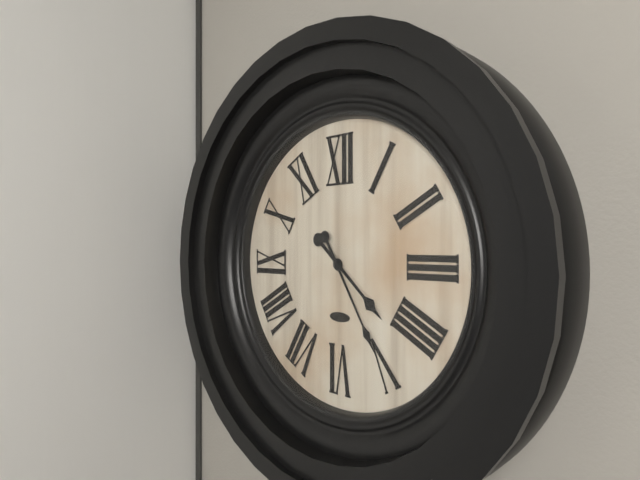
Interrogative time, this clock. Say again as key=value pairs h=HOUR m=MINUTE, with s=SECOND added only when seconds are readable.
h=4 m=25
